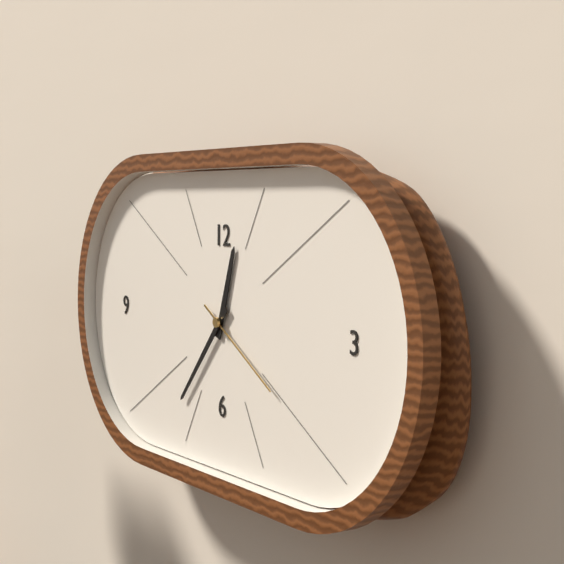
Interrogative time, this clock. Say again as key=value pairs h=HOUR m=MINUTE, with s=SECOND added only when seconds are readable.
h=12 m=37 s=20
